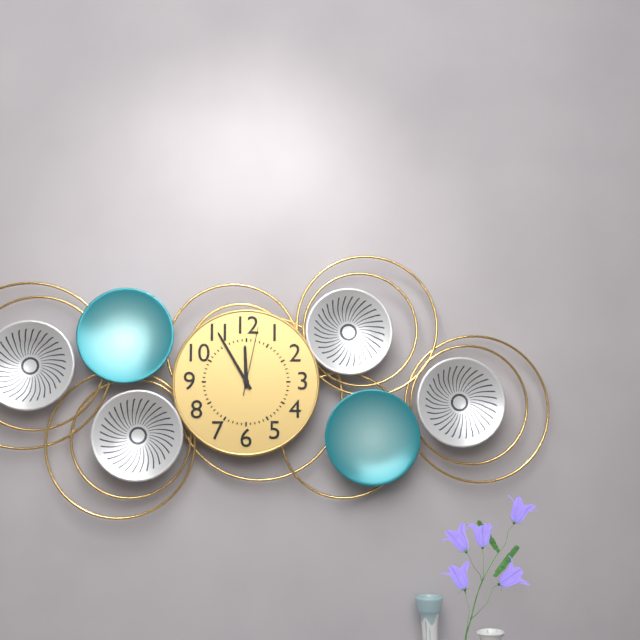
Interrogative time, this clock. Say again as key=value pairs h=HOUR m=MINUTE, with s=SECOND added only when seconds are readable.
h=11 m=55 s=2
